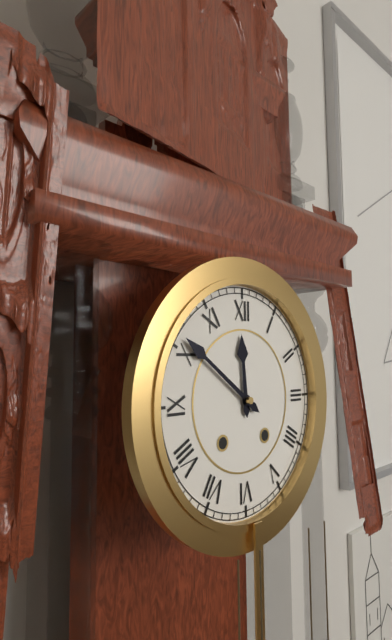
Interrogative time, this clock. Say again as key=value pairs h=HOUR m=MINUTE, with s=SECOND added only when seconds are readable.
h=11 m=51
